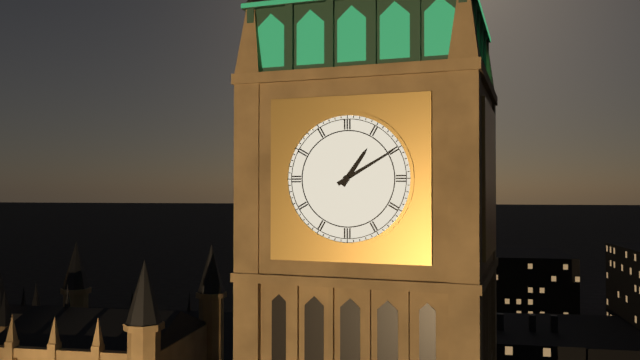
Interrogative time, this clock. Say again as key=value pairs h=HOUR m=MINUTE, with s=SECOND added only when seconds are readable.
h=1 m=10
